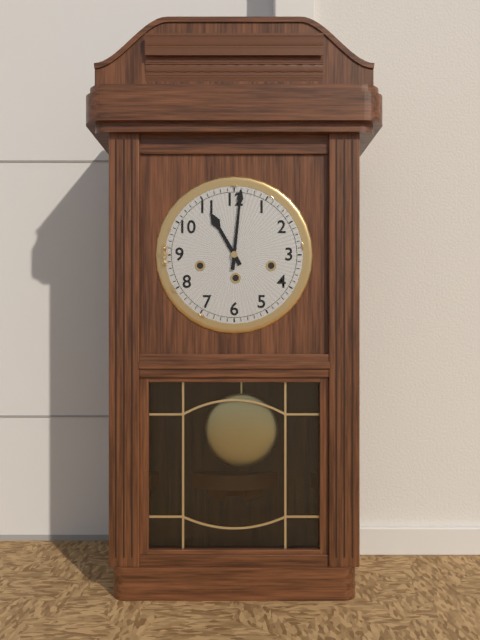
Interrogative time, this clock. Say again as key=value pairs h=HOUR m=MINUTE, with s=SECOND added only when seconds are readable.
h=11 m=1
